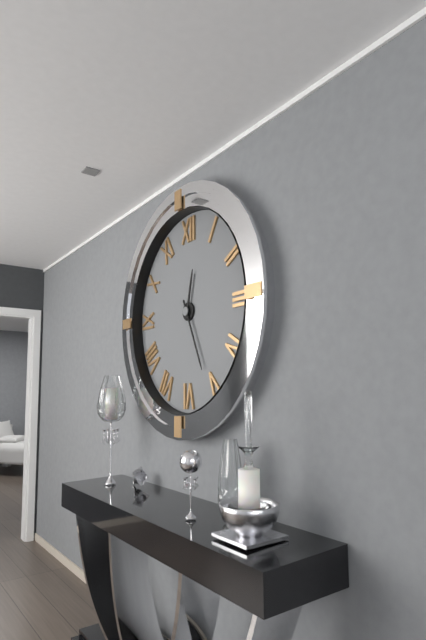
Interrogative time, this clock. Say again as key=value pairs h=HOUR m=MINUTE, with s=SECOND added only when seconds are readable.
h=12 m=26
